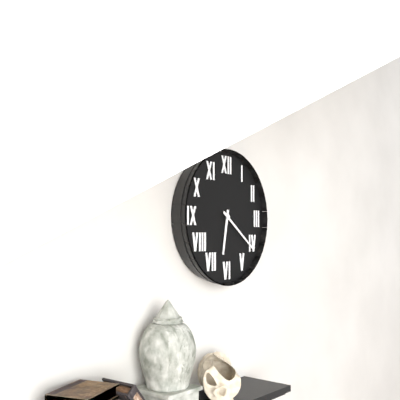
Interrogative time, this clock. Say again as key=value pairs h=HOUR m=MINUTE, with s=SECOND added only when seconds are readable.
h=6 m=21
